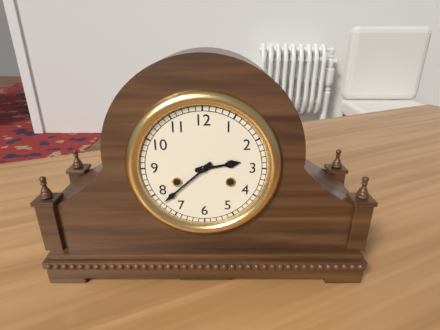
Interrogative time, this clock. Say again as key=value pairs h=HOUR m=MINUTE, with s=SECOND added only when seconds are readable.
h=2 m=38
